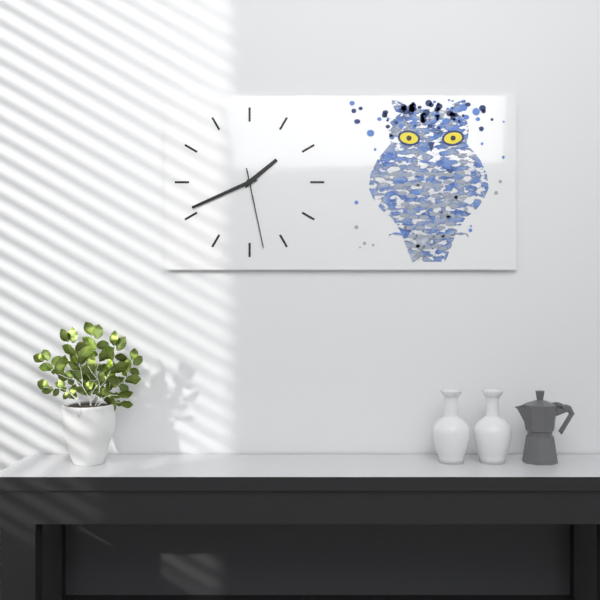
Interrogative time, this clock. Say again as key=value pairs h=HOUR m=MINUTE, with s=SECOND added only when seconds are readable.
h=1 m=41 s=28
